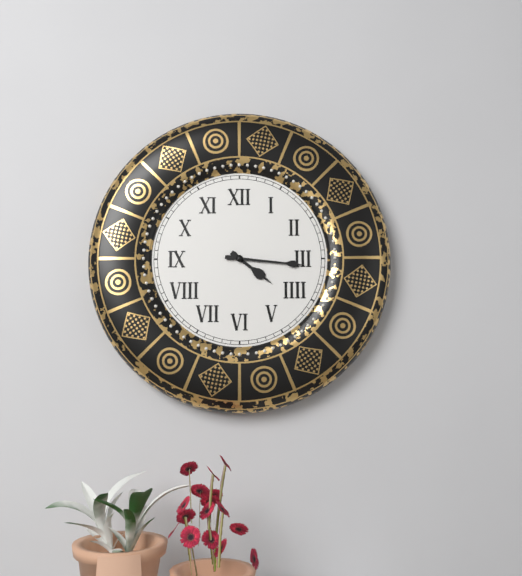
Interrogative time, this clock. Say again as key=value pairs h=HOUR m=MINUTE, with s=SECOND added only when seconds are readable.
h=4 m=16
